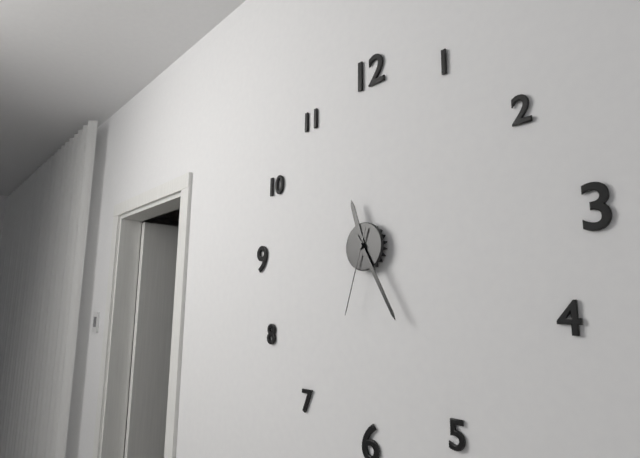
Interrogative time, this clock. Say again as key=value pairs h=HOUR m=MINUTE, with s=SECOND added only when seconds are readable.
h=11 m=25 s=33
